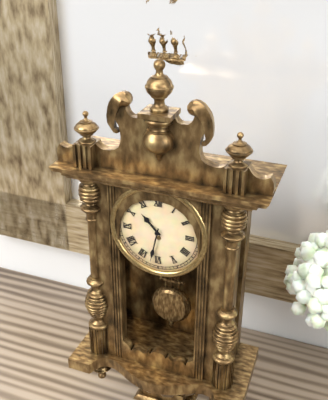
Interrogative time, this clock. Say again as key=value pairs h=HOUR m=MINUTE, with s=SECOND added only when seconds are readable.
h=10 m=32
